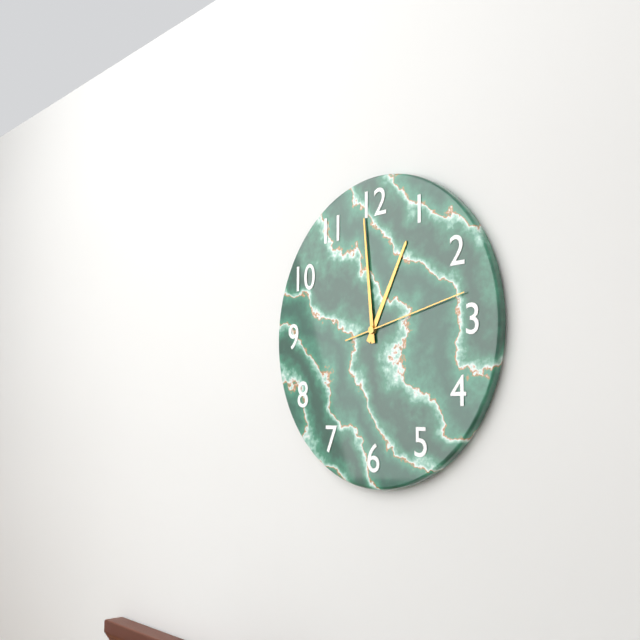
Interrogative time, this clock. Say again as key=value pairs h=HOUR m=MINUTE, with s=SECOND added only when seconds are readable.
h=12 m=59 s=13
